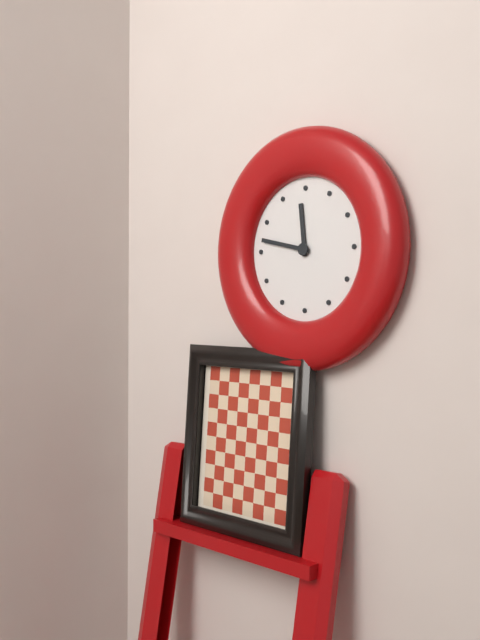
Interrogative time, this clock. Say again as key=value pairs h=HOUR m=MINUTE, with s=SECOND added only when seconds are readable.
h=11 m=47
